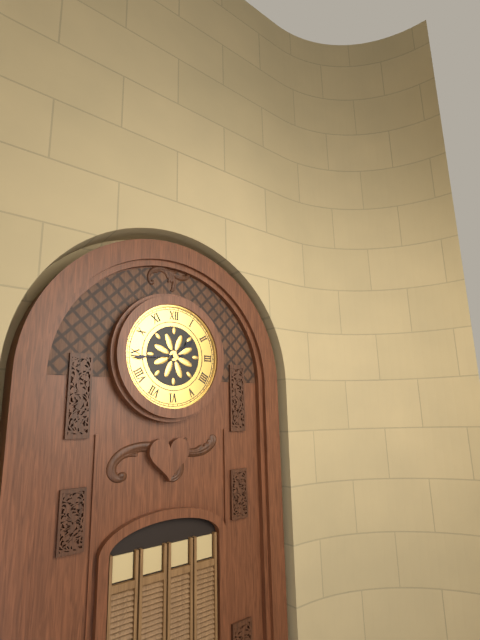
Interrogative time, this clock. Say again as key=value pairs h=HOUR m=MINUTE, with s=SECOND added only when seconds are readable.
h=1 m=44
